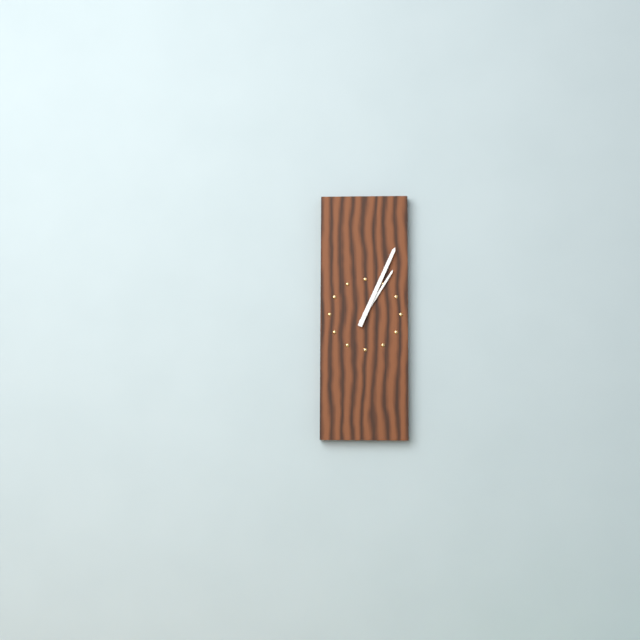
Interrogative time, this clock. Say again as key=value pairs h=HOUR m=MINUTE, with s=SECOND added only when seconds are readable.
h=1 m=4
